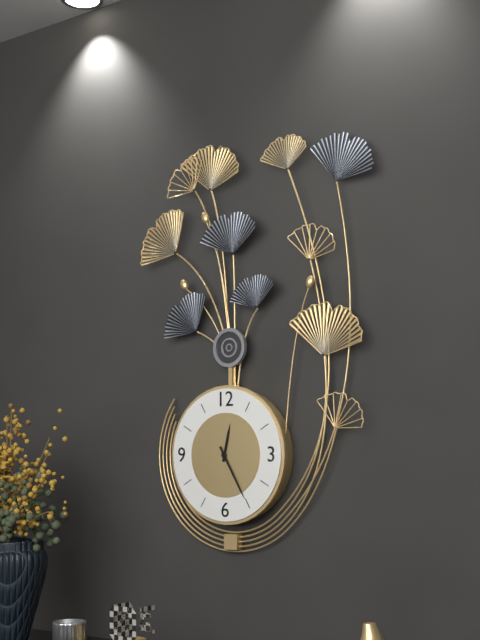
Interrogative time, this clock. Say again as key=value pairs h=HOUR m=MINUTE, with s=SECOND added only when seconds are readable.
h=12 m=25
